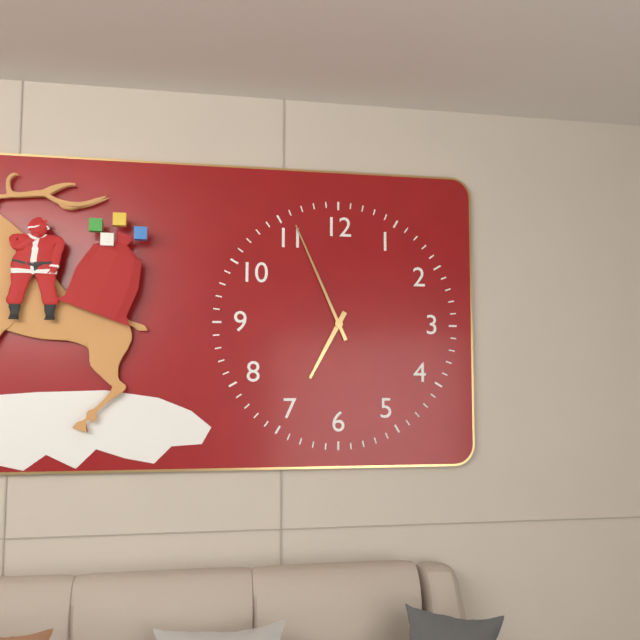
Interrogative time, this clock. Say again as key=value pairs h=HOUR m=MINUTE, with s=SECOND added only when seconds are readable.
h=6 m=56
